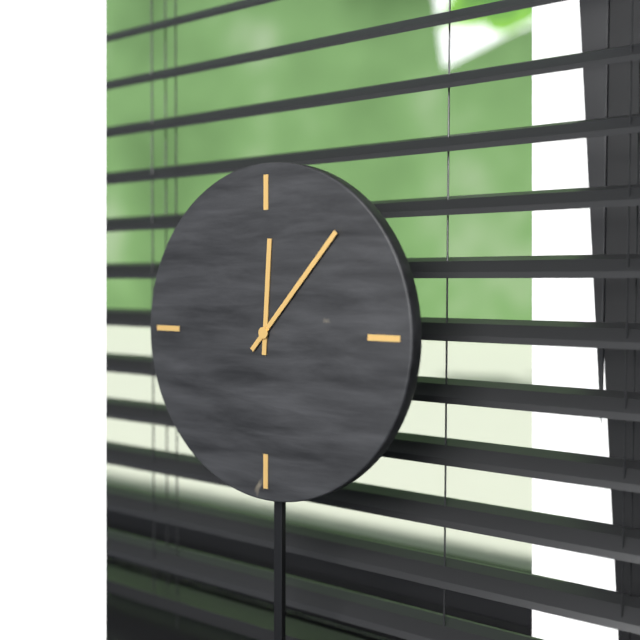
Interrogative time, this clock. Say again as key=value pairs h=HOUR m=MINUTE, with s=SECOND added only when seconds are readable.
h=12 m=7
